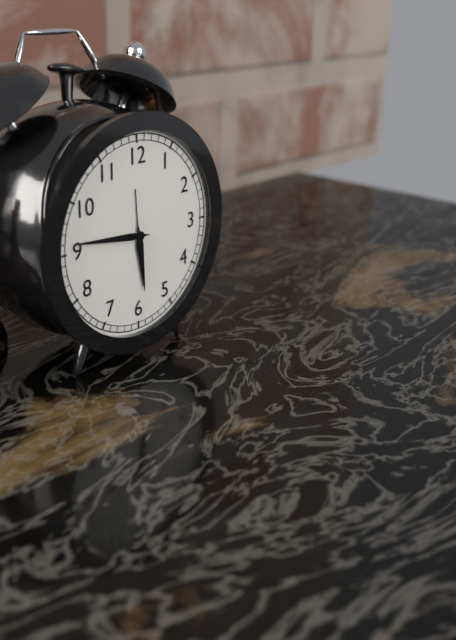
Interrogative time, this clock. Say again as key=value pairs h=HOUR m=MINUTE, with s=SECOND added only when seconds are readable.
h=5 m=46
